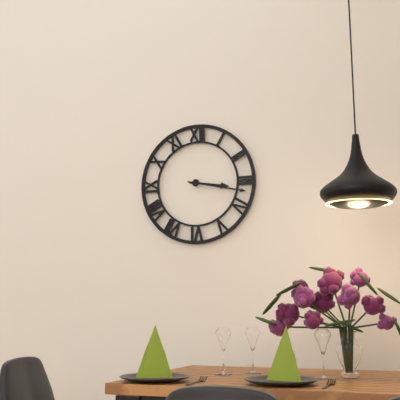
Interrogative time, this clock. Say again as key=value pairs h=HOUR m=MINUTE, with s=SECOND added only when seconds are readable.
h=3 m=17
